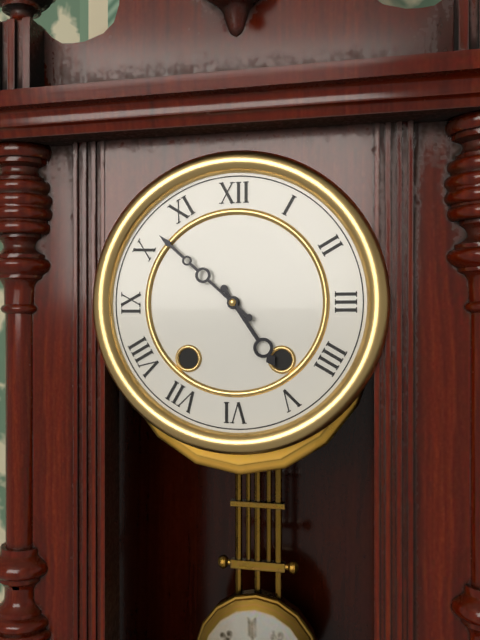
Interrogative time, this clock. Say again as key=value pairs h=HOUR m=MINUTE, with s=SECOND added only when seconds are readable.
h=4 m=52
